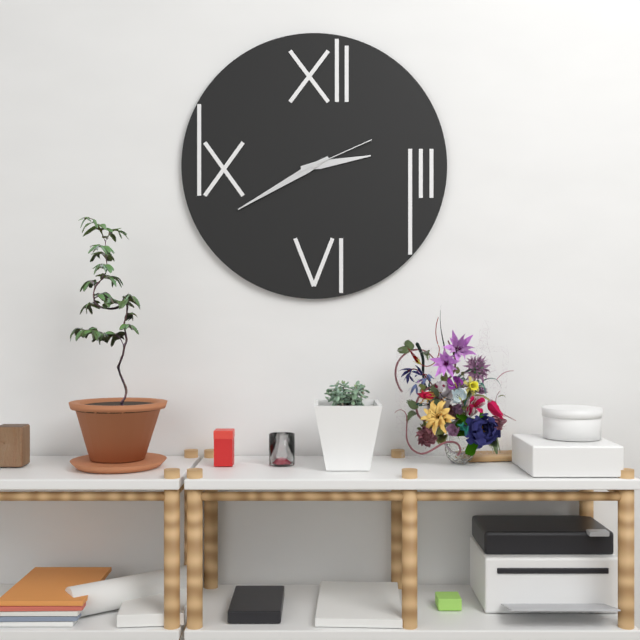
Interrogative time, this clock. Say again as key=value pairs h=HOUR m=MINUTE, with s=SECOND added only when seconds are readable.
h=2 m=40 s=11
